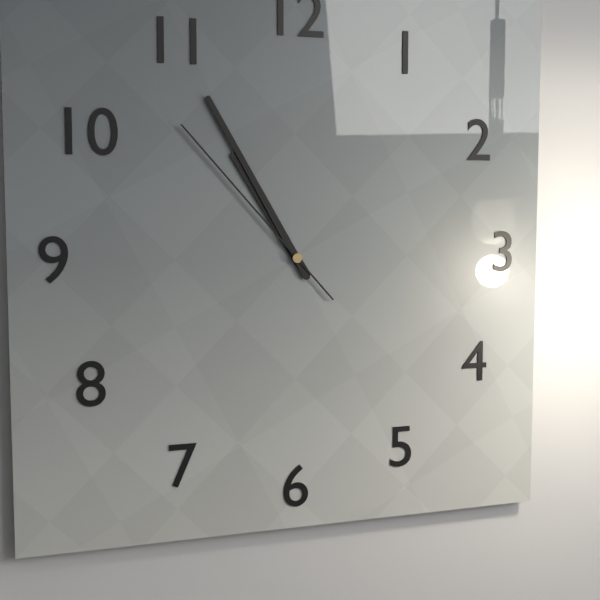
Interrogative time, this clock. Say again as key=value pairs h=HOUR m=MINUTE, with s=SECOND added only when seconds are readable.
h=10 m=55 s=53
